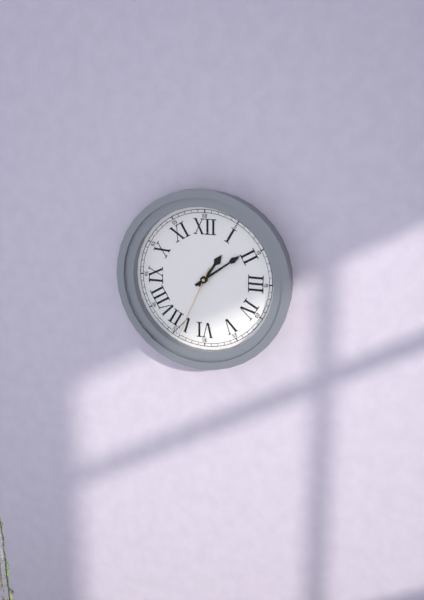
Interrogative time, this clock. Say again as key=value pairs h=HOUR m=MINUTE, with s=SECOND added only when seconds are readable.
h=1 m=9 s=34
